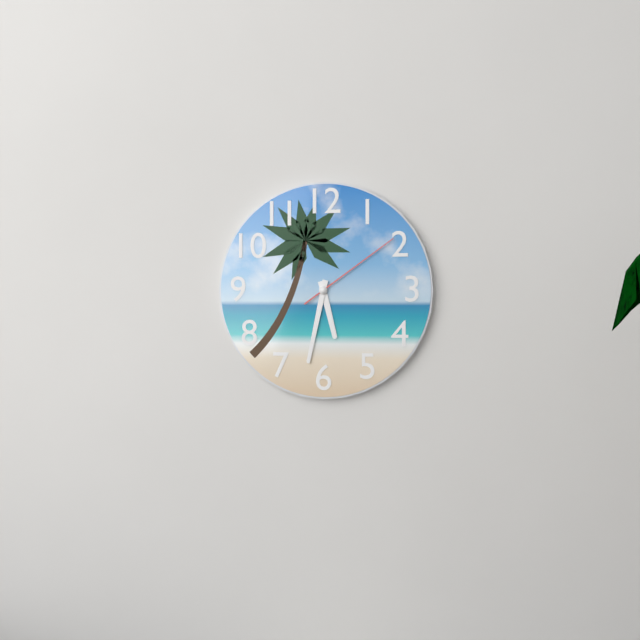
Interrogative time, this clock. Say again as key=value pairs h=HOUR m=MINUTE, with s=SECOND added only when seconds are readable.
h=5 m=32 s=9
